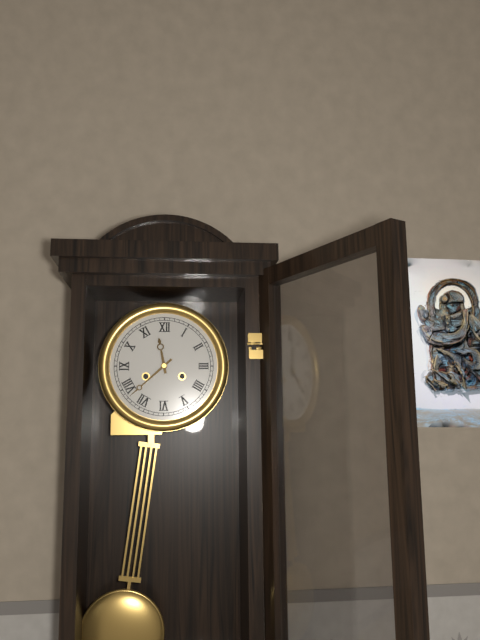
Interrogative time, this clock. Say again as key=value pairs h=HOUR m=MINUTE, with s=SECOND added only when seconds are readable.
h=11 m=38
